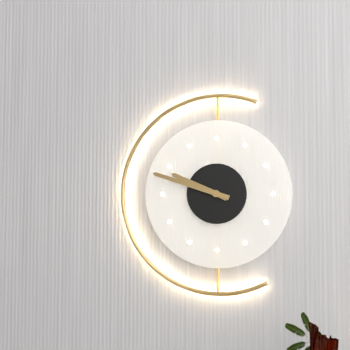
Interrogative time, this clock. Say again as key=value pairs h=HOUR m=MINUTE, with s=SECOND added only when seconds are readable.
h=9 m=48
